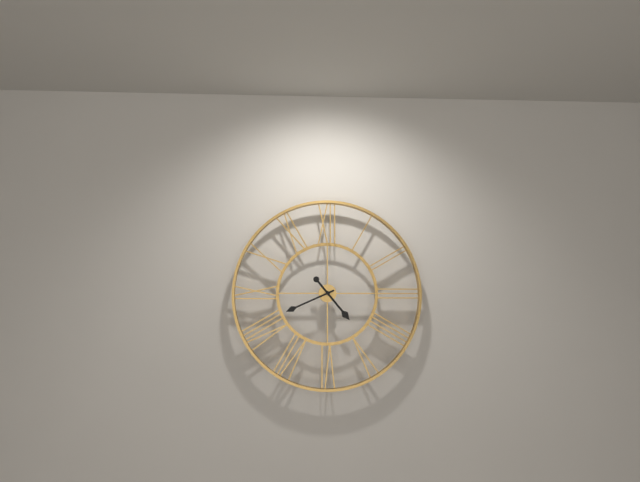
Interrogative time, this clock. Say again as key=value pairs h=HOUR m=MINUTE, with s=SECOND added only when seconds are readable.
h=4 m=41
